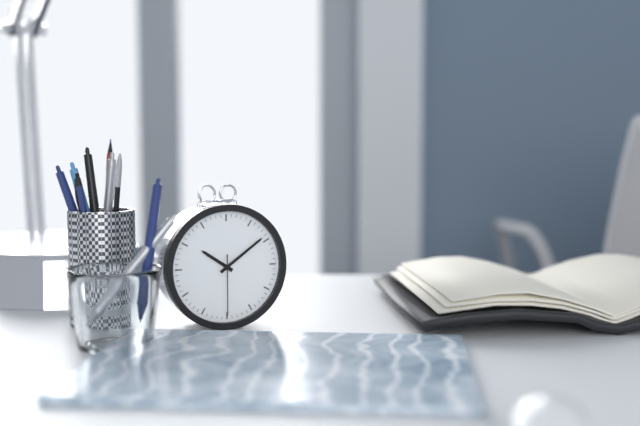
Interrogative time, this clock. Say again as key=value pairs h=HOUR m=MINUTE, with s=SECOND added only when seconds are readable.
h=10 m=9 s=30
